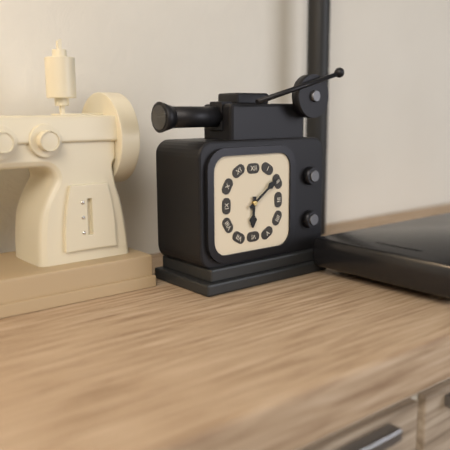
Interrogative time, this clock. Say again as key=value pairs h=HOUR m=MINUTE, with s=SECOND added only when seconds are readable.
h=6 m=9
